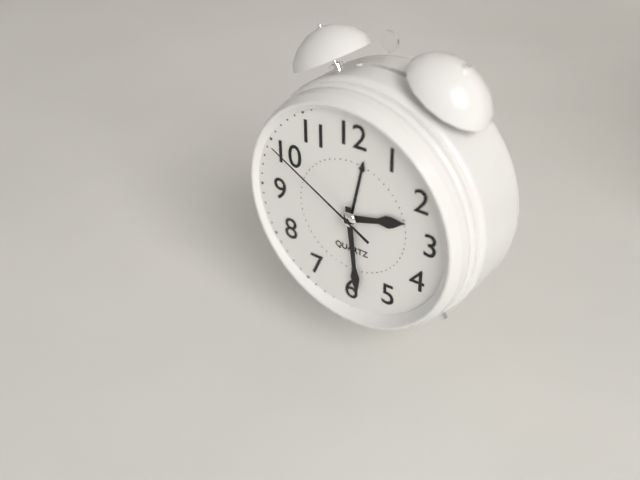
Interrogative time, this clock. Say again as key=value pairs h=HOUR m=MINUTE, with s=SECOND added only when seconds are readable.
h=2 m=29 s=50
